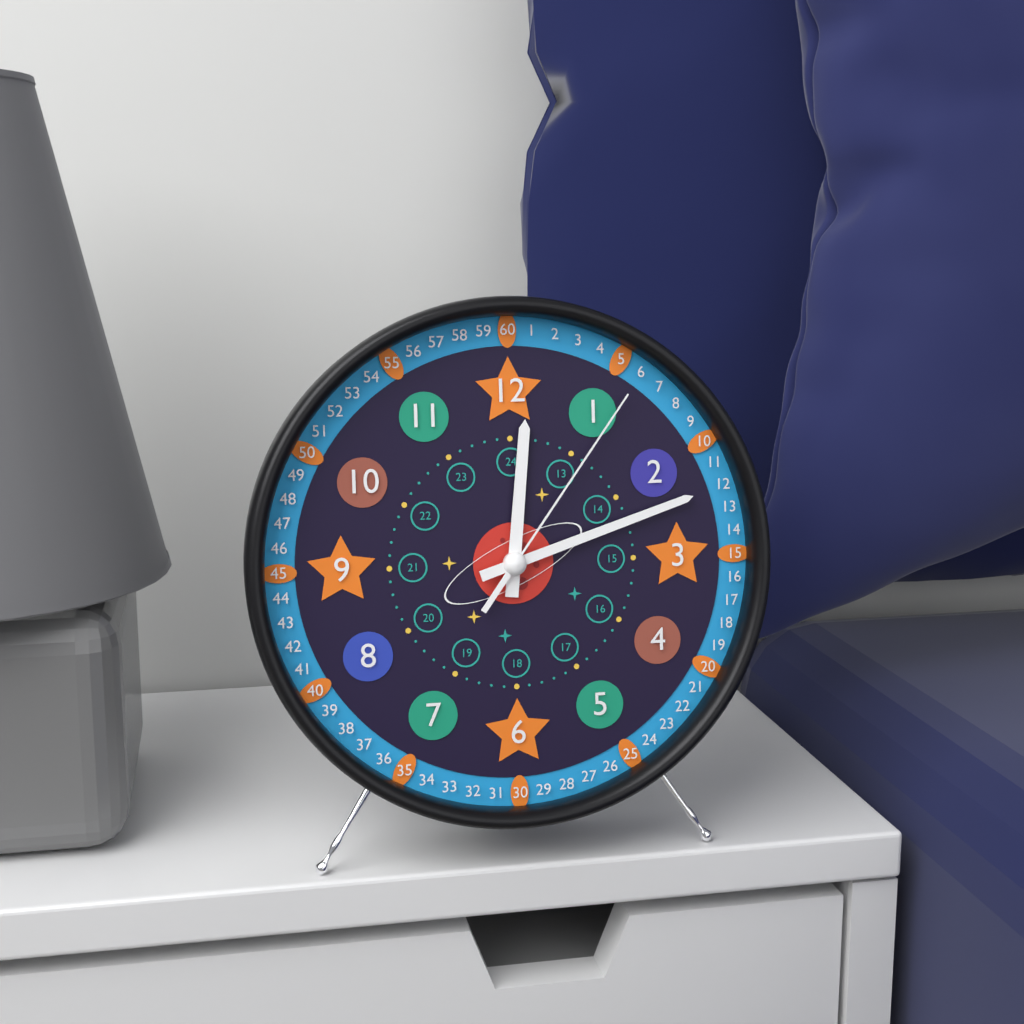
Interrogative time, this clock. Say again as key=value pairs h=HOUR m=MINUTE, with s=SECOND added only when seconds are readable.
h=12 m=12 s=6
